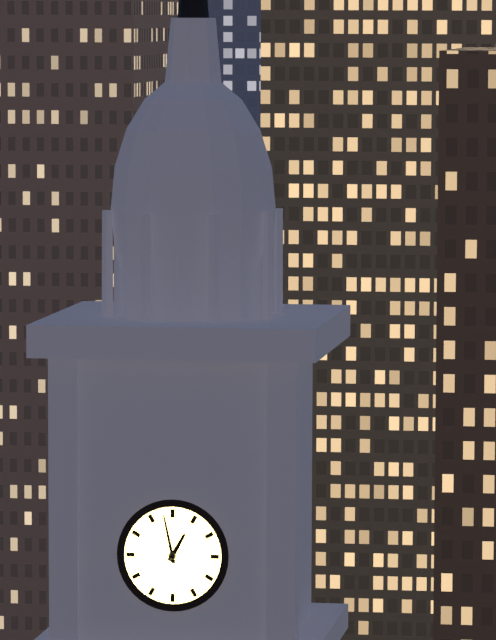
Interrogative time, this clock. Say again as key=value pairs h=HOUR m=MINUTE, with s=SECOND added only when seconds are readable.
h=12 m=58
